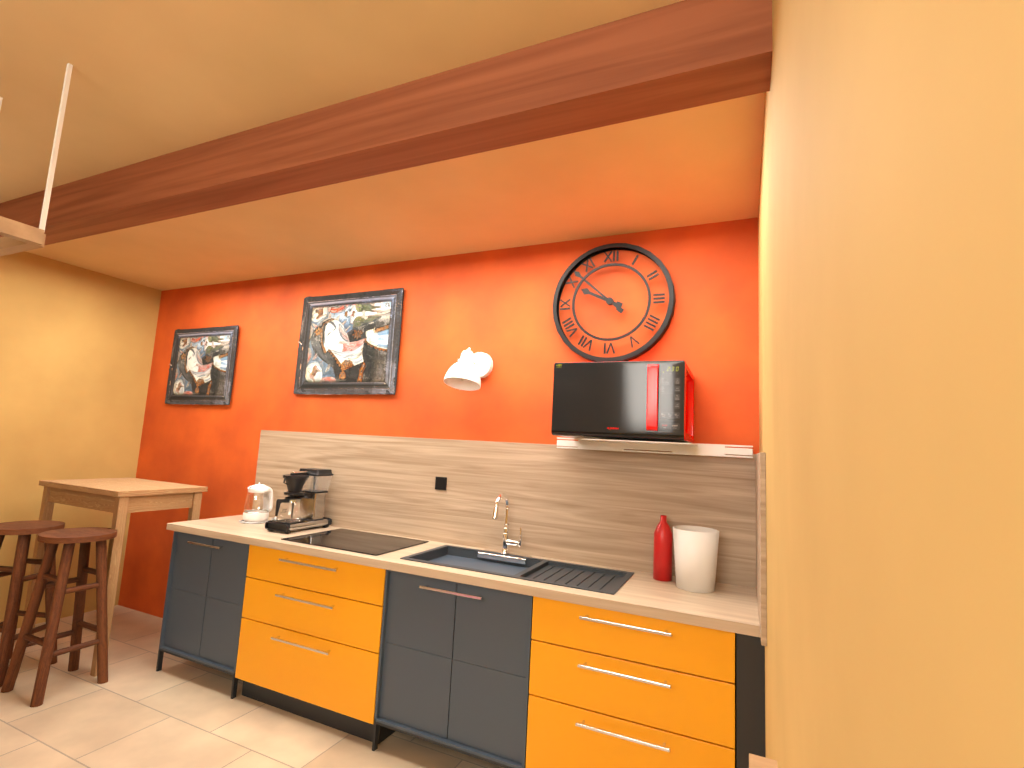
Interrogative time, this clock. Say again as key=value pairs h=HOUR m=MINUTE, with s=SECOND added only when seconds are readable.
h=9 m=52
